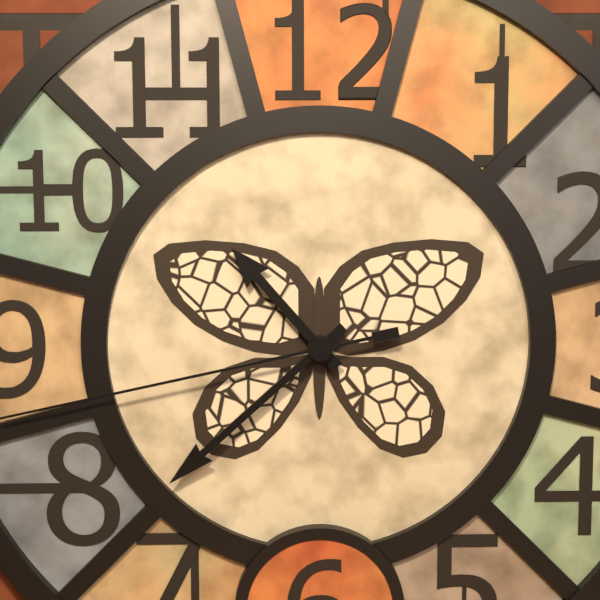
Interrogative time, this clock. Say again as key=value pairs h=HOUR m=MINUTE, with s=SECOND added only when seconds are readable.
h=10 m=38
